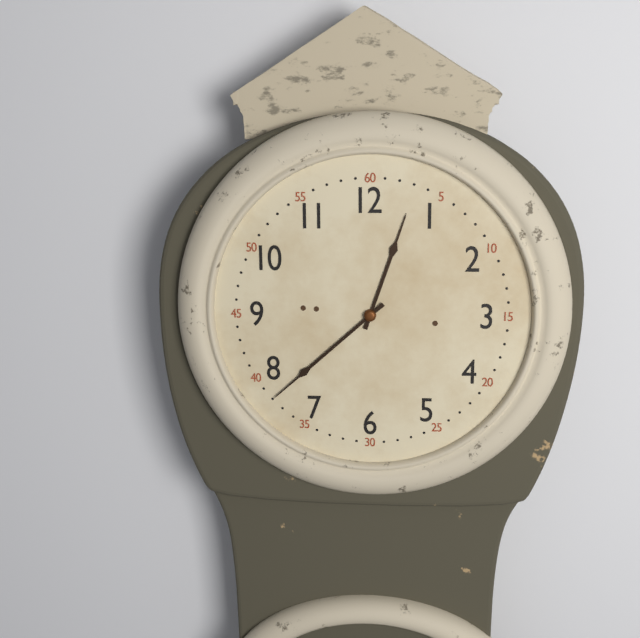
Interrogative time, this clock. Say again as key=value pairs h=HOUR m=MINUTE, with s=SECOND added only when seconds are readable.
h=12 m=38
